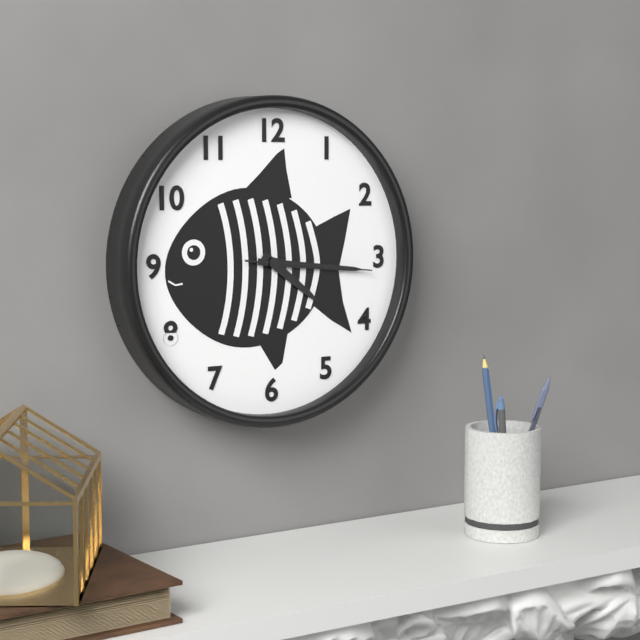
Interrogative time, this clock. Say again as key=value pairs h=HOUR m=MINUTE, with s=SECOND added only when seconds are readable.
h=4 m=16 s=16
